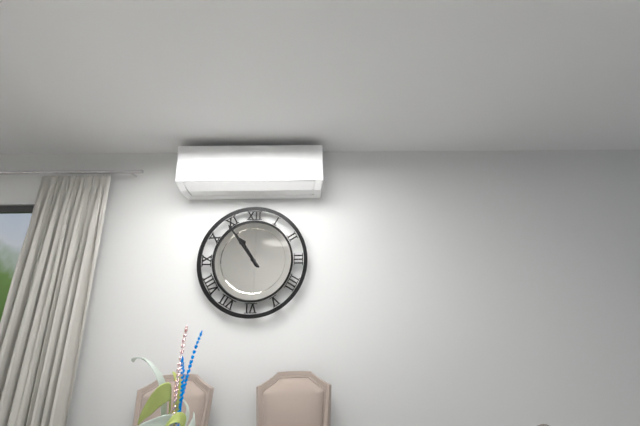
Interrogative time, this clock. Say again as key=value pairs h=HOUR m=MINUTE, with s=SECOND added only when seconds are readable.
h=10 m=54
